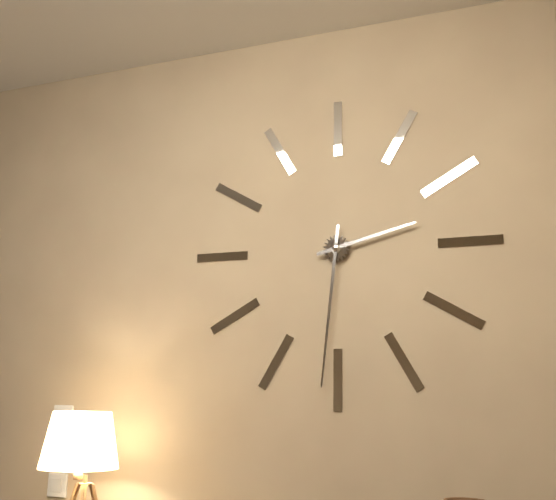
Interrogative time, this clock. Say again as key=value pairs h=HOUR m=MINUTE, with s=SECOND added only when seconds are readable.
h=2 m=31
